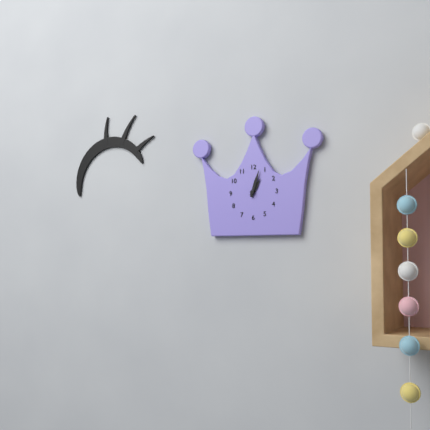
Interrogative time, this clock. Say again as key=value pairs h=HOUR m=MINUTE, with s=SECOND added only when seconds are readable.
h=1 m=3
